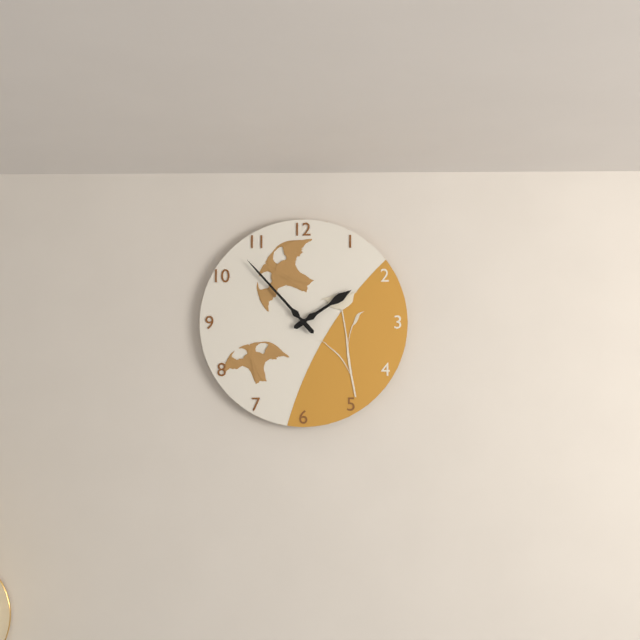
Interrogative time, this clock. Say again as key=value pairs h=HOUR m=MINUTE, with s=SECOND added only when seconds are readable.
h=1 m=53
